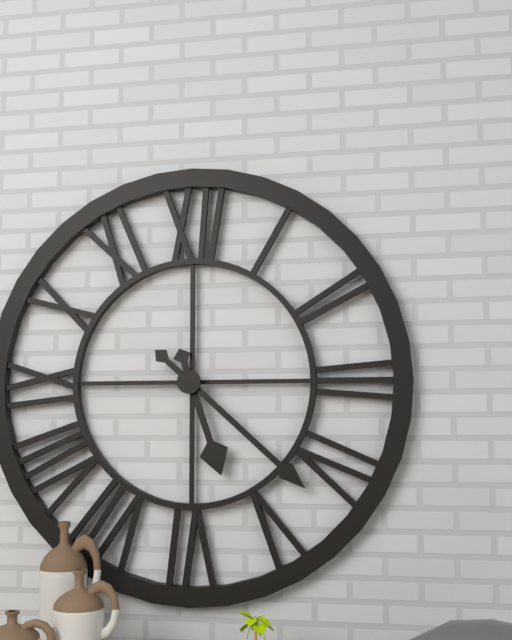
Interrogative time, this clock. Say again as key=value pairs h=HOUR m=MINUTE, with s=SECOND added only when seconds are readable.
h=5 m=22
